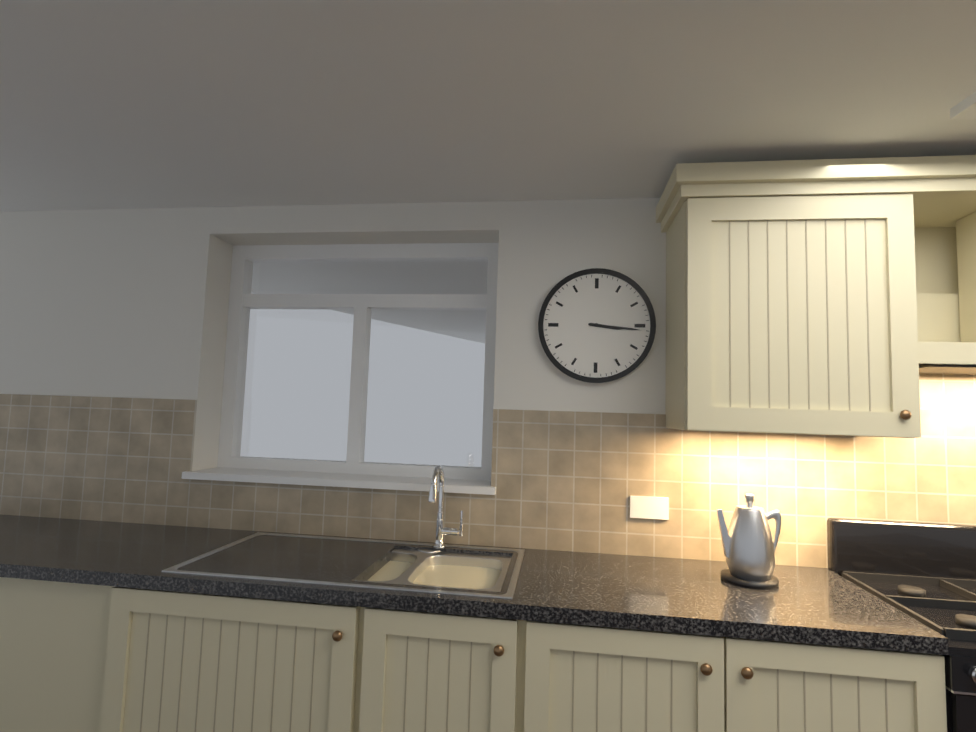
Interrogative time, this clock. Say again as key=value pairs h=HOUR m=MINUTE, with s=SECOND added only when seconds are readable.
h=3 m=16
